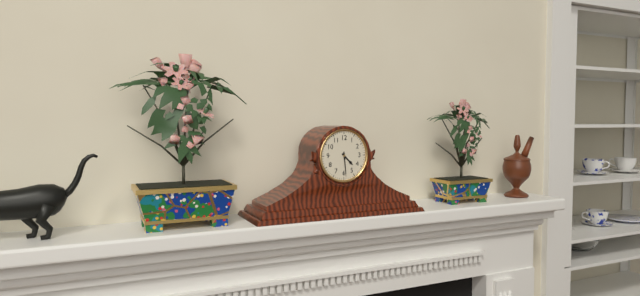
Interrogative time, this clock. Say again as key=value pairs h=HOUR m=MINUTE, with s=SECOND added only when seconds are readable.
h=4 m=29
